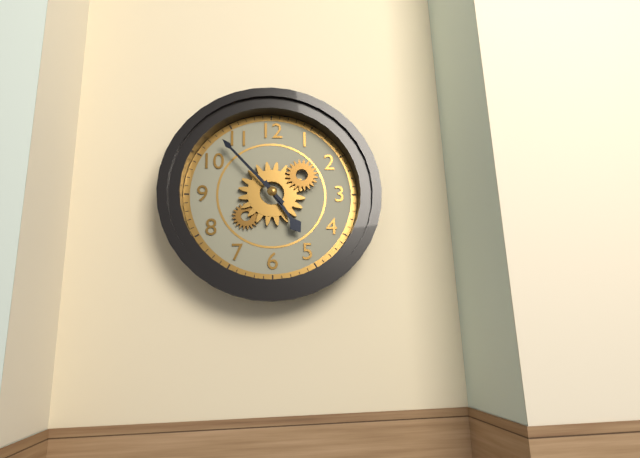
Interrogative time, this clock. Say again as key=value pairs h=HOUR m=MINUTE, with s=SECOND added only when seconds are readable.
h=4 m=53
